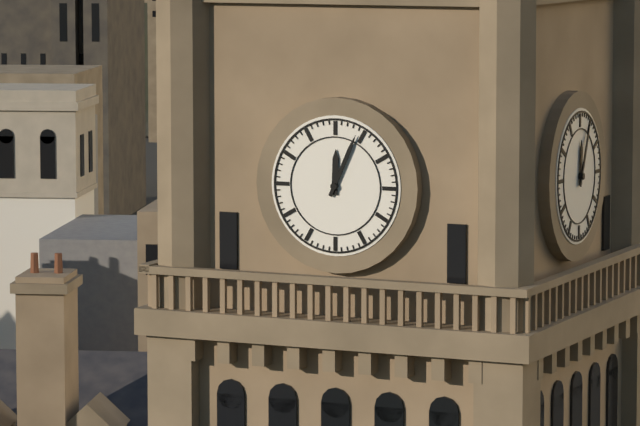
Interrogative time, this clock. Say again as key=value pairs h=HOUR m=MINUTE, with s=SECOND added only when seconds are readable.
h=12 m=4
